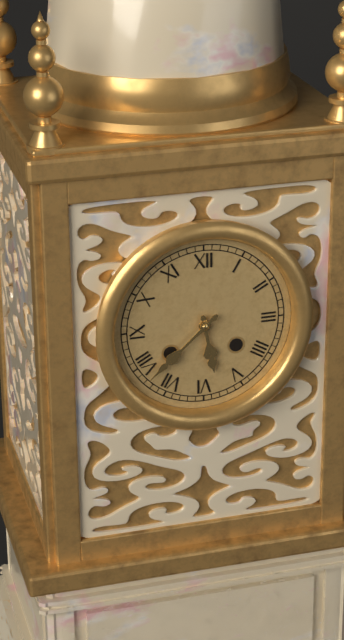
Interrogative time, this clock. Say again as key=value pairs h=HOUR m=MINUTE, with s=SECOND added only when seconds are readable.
h=5 m=38
